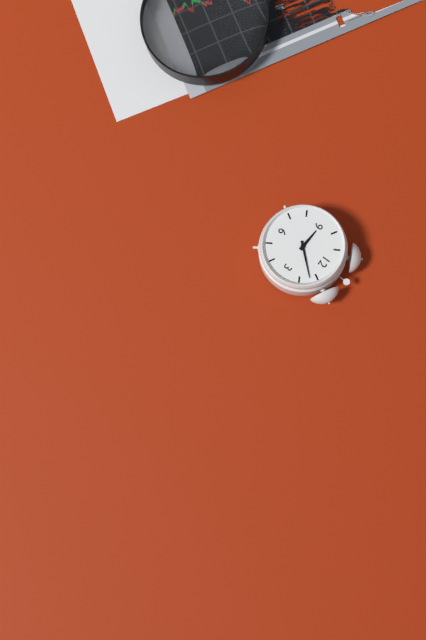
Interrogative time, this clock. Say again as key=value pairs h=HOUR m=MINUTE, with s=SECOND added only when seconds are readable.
h=9 m=7
